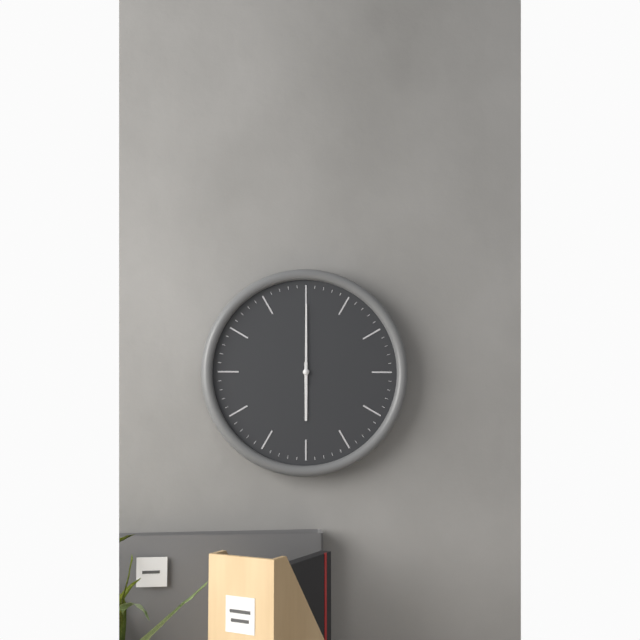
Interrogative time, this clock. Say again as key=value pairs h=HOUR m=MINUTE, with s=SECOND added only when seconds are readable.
h=6 m=0
